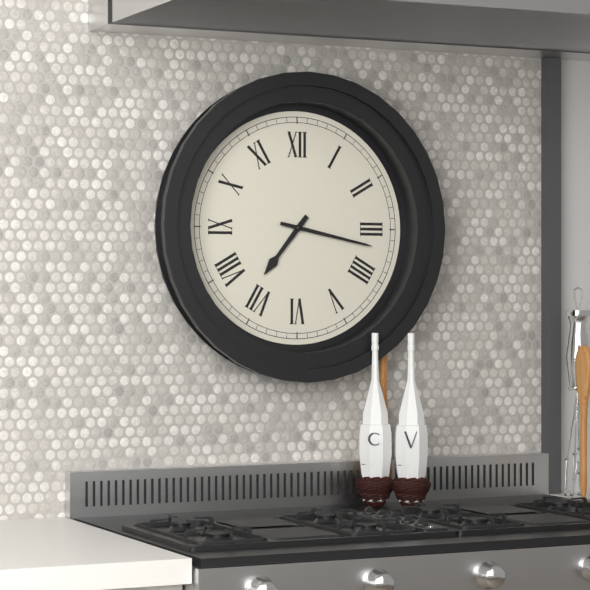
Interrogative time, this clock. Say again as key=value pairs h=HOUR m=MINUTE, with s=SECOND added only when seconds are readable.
h=7 m=17
